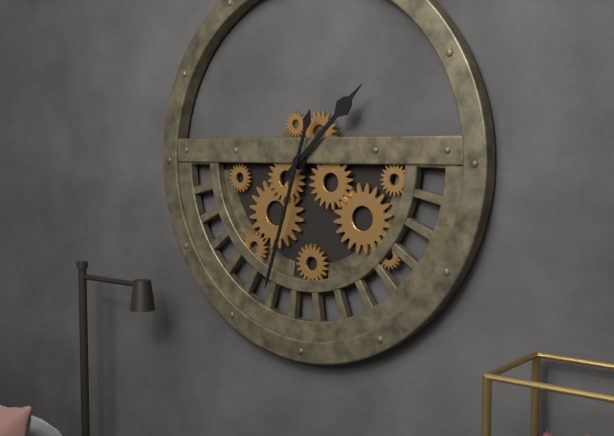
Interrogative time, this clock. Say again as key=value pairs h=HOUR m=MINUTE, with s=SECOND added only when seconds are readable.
h=1 m=33
